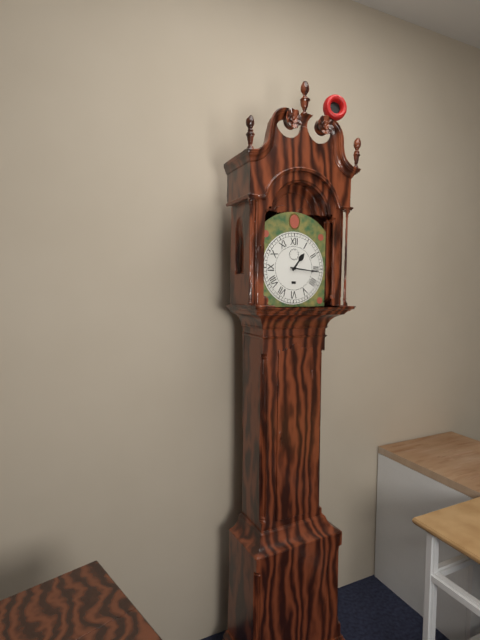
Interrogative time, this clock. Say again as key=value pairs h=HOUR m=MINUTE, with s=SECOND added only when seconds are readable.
h=1 m=16
